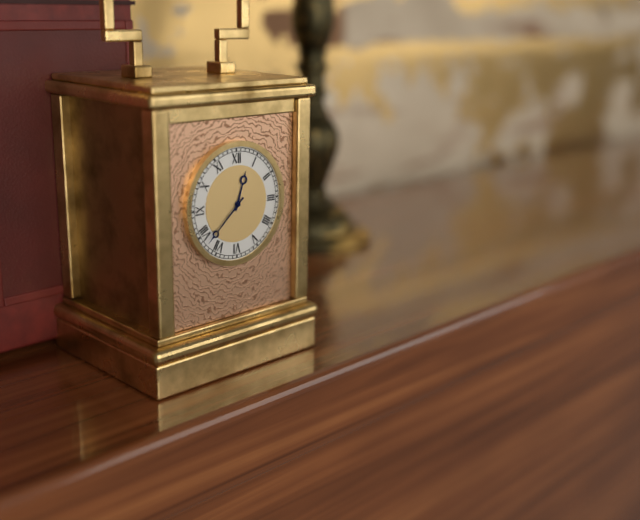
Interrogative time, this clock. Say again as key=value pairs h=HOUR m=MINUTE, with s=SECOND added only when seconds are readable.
h=12 m=38
